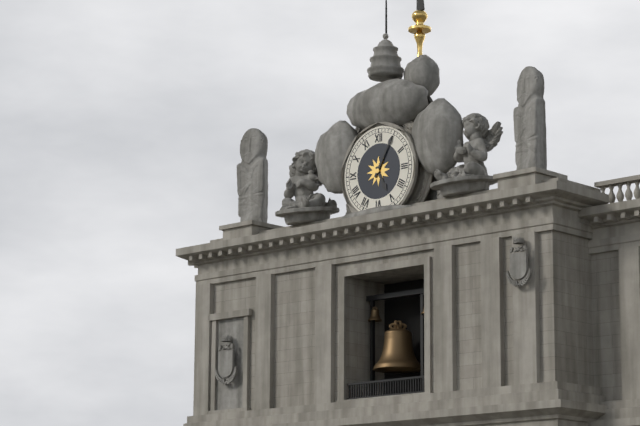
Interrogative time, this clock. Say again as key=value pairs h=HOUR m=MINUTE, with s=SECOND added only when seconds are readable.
h=5 m=5
